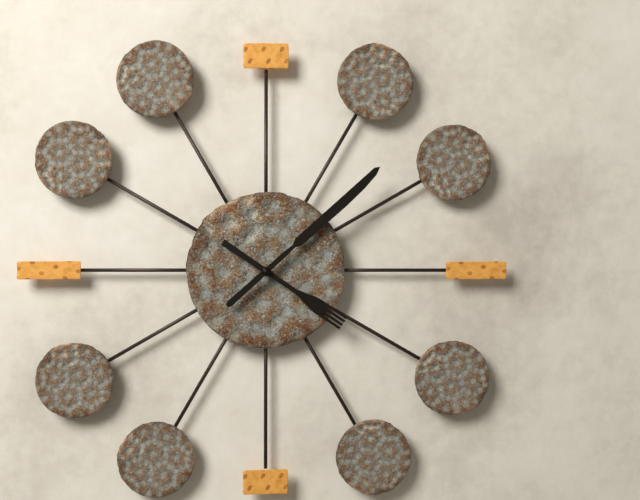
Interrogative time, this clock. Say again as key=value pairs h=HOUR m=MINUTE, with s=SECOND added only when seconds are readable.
h=4 m=8
